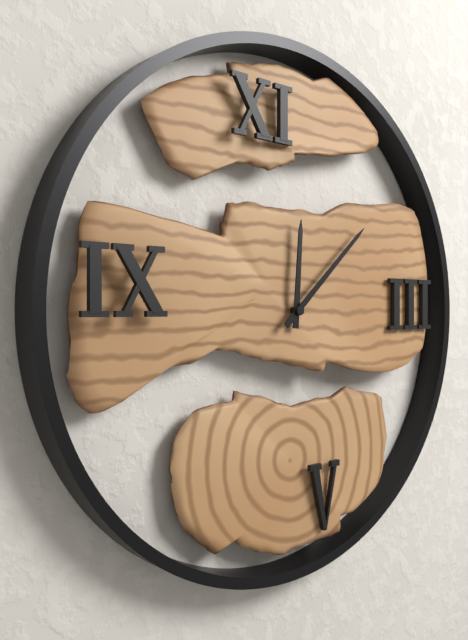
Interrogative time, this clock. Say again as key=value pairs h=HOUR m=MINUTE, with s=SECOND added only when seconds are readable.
h=12 m=8
